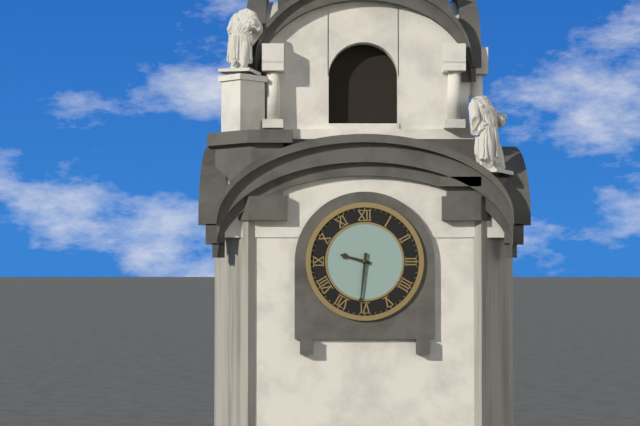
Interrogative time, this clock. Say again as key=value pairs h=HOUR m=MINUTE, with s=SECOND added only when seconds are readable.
h=9 m=31
